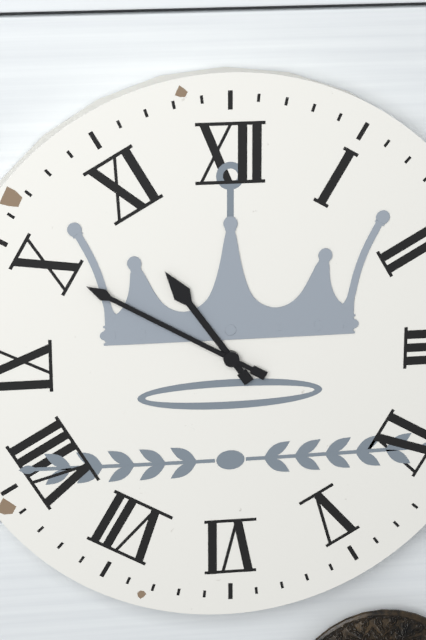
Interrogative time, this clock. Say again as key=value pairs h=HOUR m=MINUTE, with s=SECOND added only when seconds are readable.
h=10 m=50
